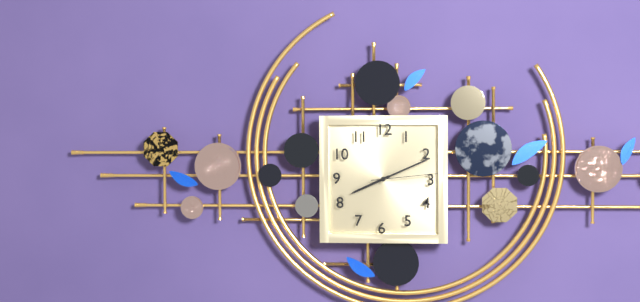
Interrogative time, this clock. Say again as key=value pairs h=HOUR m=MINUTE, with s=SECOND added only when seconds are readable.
h=8 m=11 s=14
